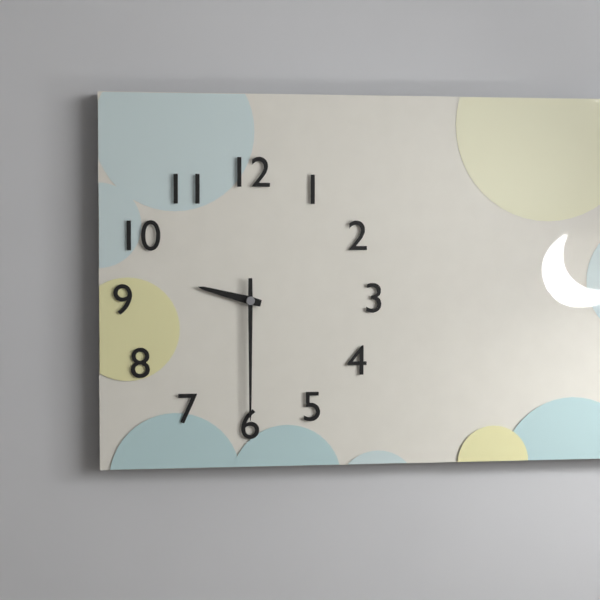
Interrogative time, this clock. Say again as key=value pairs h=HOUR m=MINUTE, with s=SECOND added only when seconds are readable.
h=9 m=30
